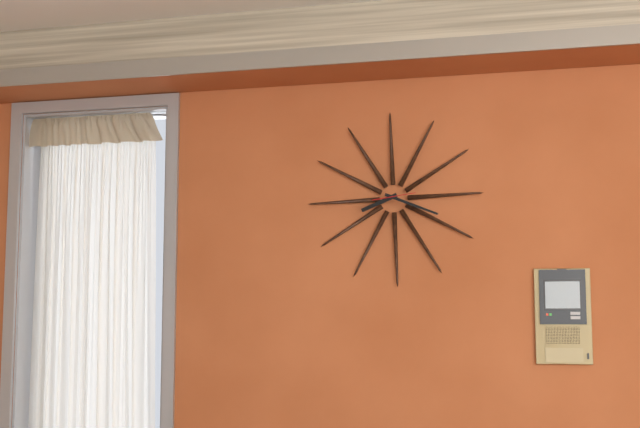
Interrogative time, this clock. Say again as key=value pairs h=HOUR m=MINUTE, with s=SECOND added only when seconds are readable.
h=8 m=19
